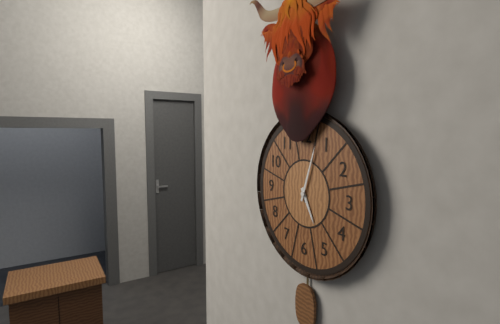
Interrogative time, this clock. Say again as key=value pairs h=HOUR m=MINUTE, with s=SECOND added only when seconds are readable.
h=5 m=3
